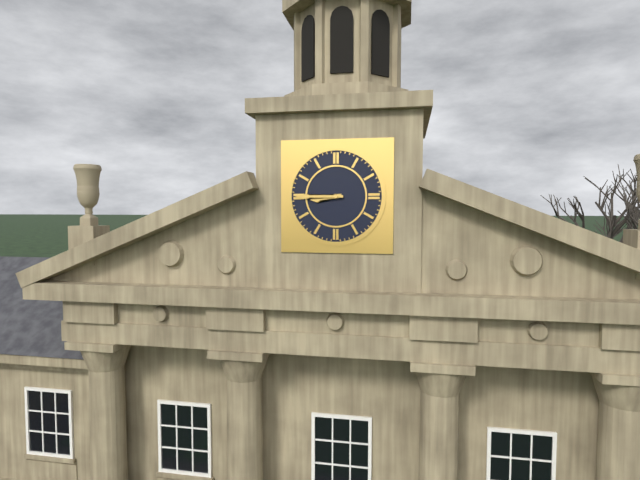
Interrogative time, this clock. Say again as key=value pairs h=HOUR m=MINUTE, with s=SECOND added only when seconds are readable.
h=8 m=45
